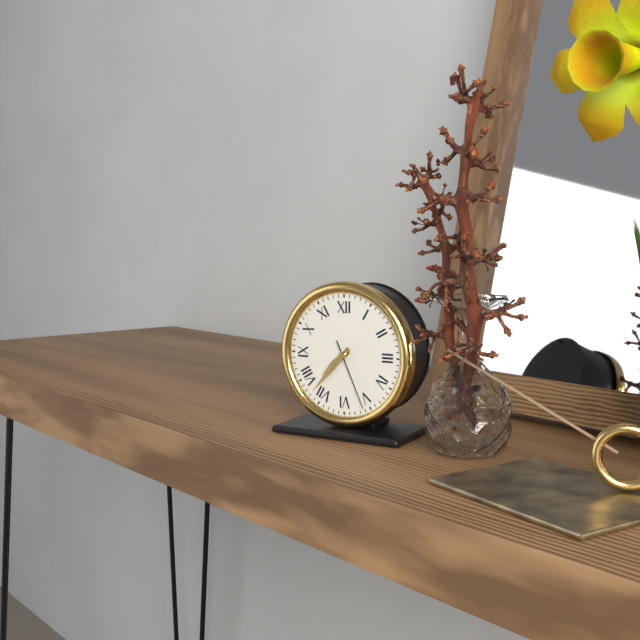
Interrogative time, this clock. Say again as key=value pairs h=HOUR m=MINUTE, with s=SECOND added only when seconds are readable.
h=7 m=37 s=26
